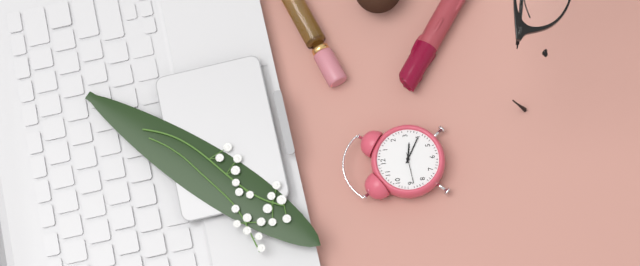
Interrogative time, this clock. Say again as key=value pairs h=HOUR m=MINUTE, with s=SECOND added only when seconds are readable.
h=3 m=20
